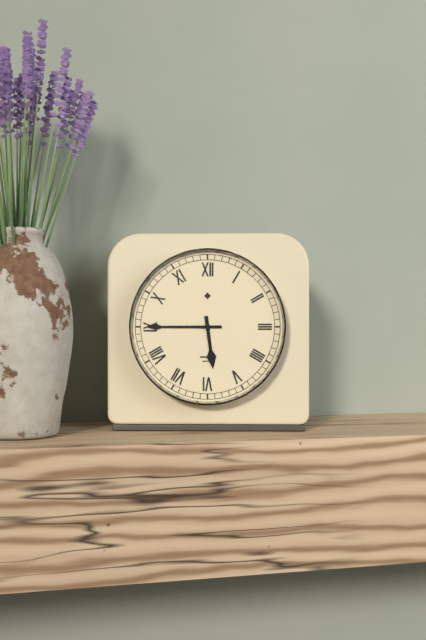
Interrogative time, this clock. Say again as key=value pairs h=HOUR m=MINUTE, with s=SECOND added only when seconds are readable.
h=5 m=45
